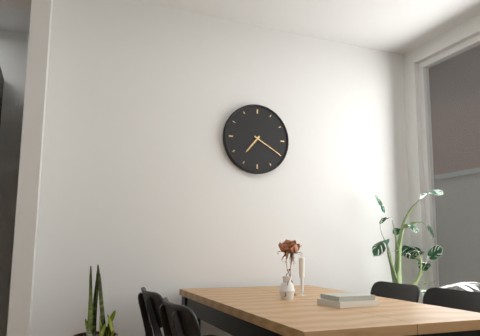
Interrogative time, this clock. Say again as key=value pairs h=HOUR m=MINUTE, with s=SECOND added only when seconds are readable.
h=7 m=20
